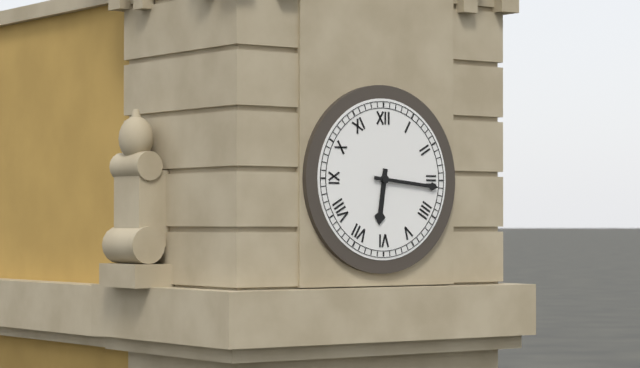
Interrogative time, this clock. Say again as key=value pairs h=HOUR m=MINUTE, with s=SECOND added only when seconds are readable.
h=6 m=16
